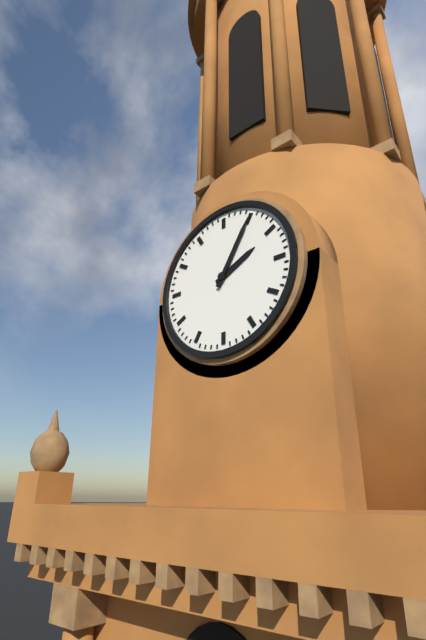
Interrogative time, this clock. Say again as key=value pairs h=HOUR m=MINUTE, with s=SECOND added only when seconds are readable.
h=2 m=5
